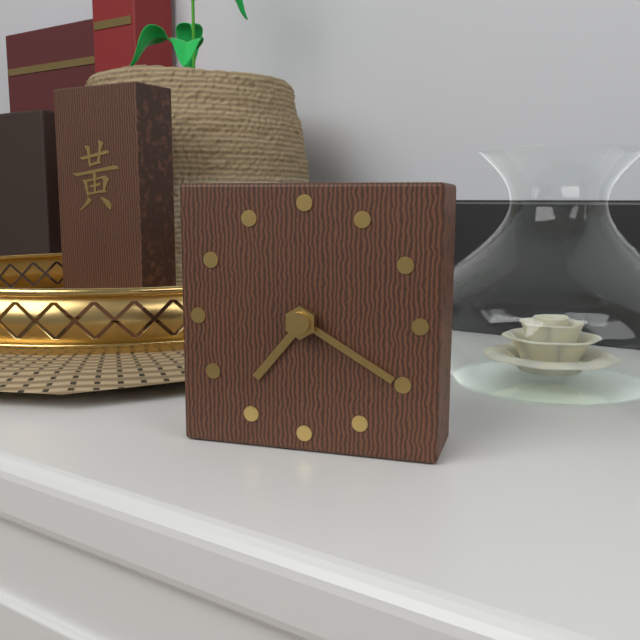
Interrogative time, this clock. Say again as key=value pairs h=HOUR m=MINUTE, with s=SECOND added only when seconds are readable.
h=7 m=20
